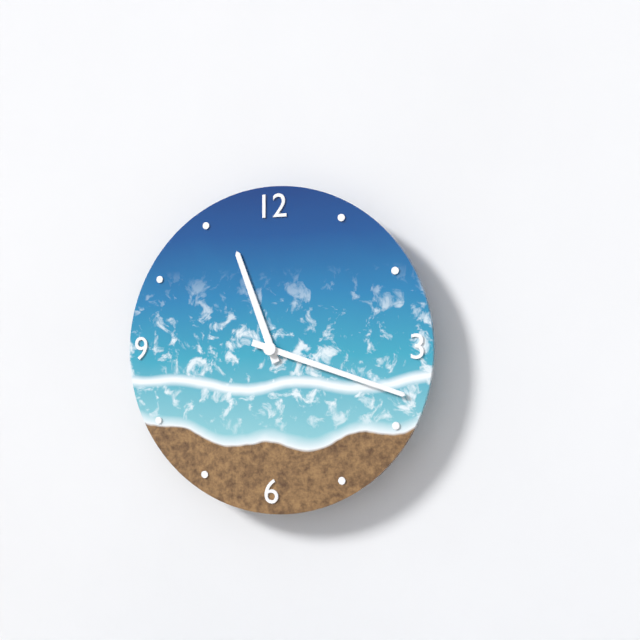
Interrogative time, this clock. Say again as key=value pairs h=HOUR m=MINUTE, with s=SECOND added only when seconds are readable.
h=11 m=18
